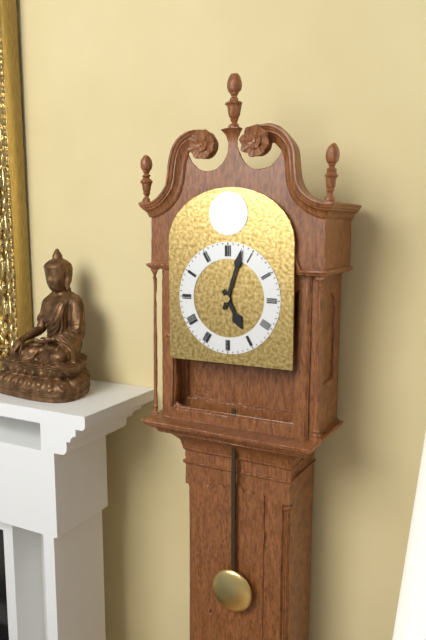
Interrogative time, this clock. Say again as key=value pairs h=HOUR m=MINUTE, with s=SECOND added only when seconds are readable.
h=5 m=3
